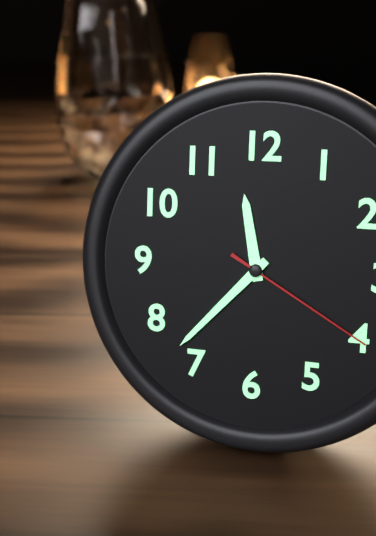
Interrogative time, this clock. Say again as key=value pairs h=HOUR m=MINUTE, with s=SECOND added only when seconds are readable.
h=11 m=37 s=20
